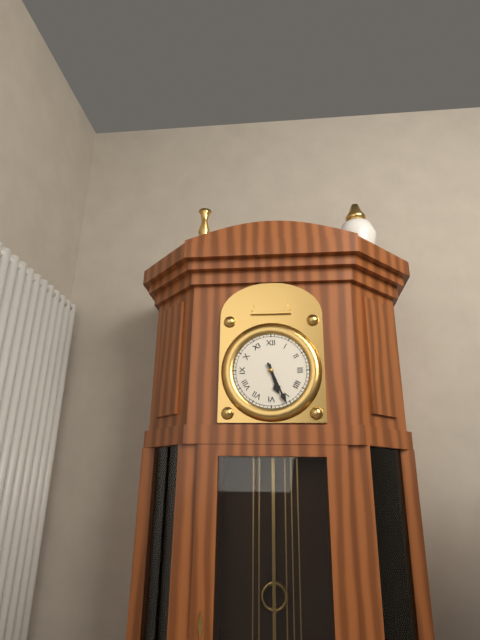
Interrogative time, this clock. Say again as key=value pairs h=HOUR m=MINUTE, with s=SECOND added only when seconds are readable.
h=5 m=26
